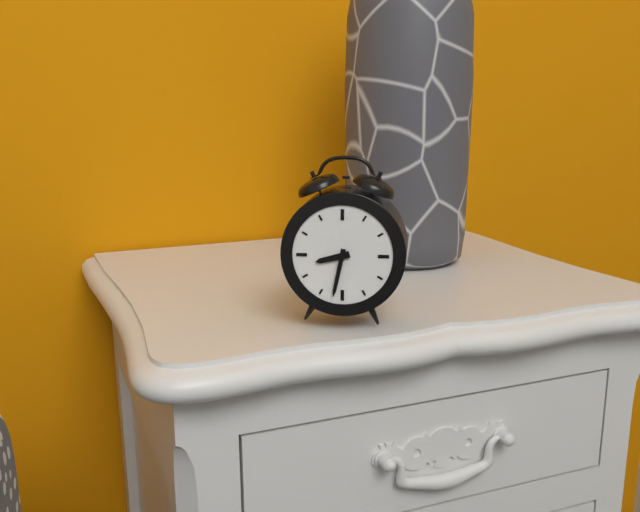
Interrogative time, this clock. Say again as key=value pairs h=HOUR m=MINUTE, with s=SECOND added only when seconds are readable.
h=8 m=32
